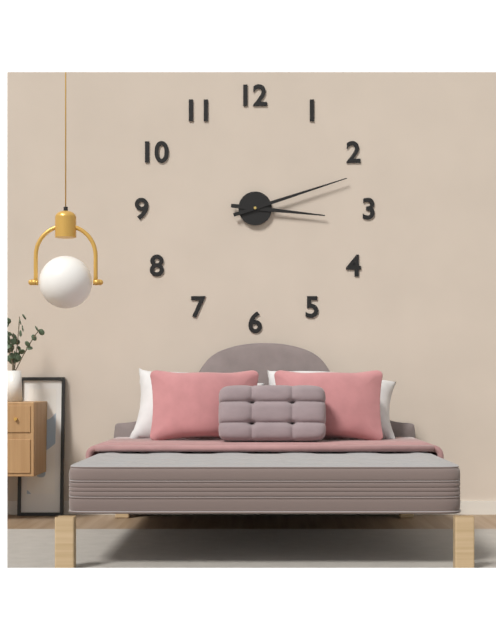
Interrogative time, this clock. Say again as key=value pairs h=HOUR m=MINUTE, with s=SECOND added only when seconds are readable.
h=3 m=12
